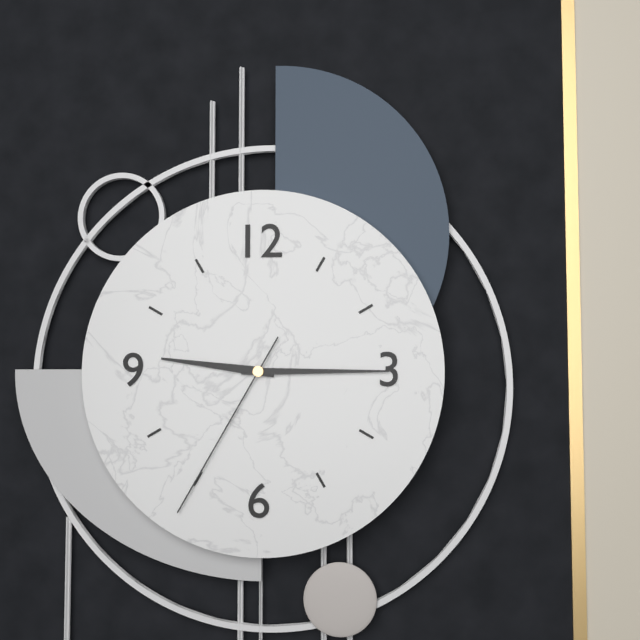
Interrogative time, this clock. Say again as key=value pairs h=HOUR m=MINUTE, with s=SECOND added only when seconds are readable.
h=9 m=15 s=35
